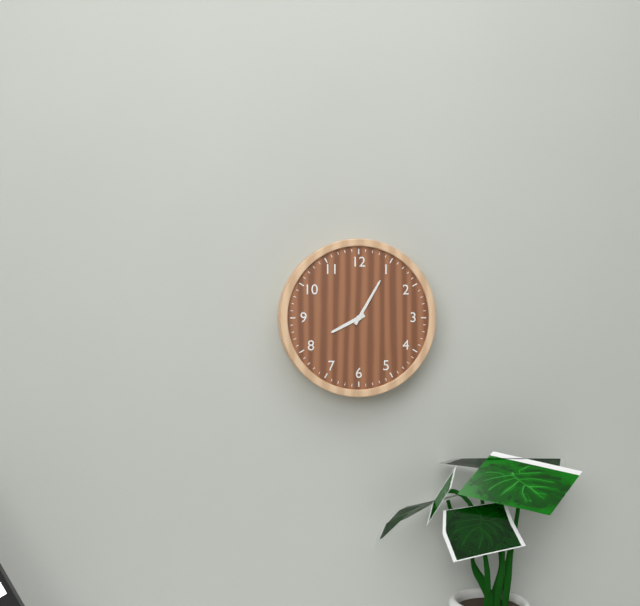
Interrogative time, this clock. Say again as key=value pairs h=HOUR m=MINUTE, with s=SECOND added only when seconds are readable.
h=8 m=5
